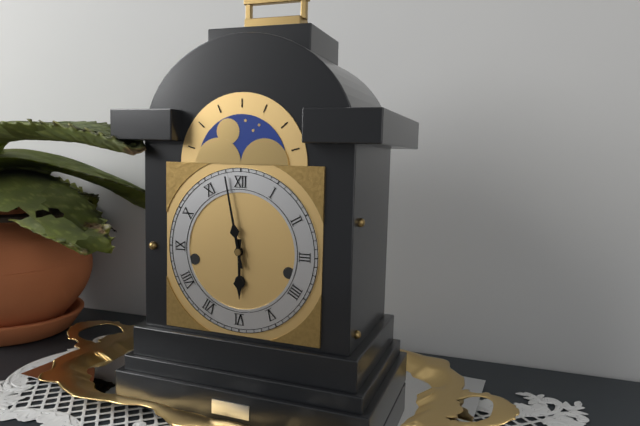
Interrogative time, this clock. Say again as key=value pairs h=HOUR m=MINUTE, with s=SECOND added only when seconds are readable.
h=5 m=58
